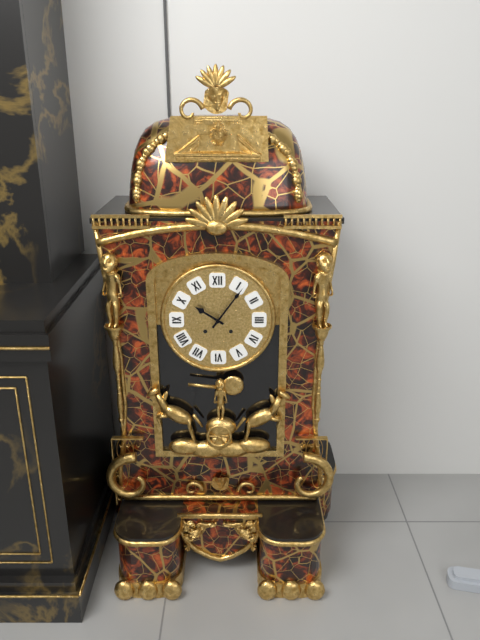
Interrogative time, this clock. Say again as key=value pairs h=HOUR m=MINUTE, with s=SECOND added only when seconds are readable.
h=10 m=6
